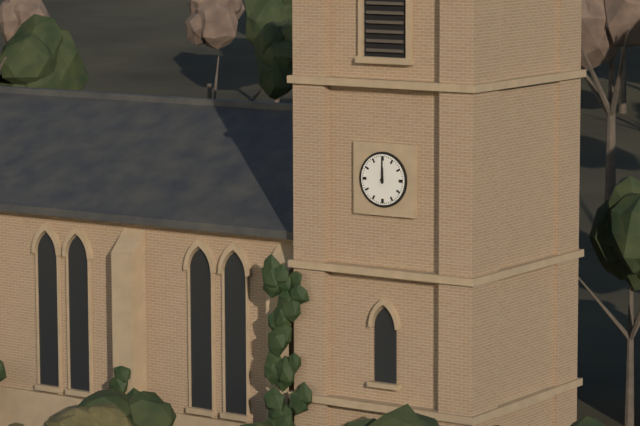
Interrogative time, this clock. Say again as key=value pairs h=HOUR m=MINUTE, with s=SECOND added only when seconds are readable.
h=12 m=0
